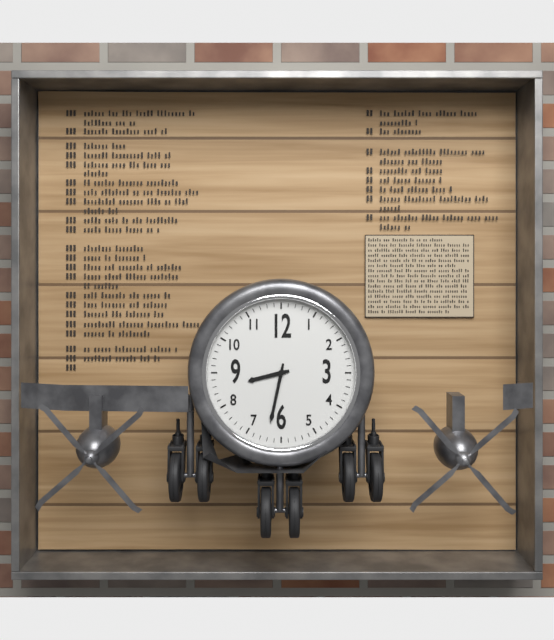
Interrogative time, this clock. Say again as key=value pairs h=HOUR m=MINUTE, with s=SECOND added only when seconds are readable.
h=8 m=32
